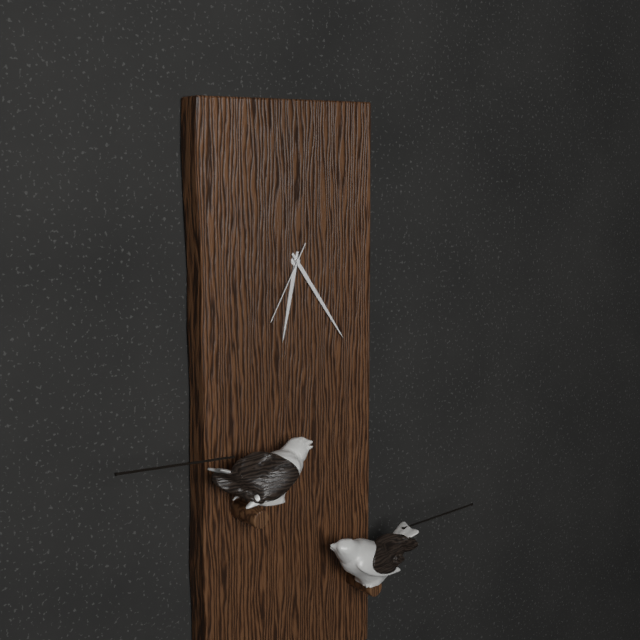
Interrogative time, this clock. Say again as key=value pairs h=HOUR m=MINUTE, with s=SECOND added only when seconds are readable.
h=6 m=24 s=35
